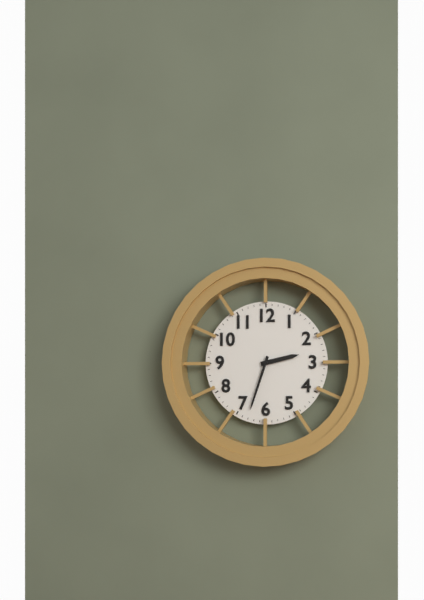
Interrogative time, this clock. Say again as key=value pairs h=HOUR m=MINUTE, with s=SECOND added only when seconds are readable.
h=2 m=33
